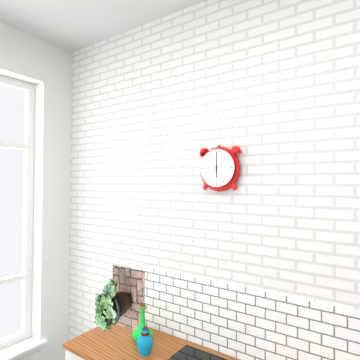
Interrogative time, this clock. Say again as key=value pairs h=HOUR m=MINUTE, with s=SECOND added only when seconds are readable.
h=6 m=0
